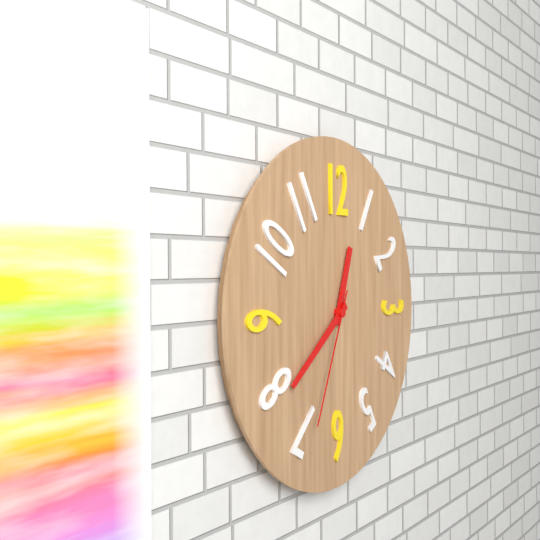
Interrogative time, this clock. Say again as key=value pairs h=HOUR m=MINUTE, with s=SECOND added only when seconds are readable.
h=12 m=39 s=34
